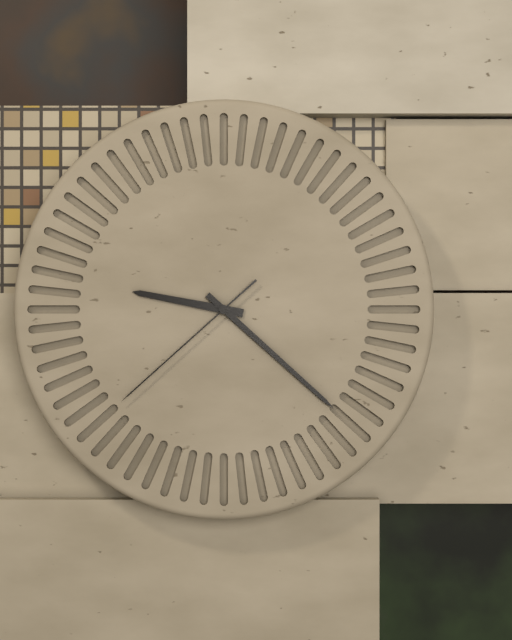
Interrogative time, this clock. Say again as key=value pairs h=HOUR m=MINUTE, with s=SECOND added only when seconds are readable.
h=9 m=22 s=38
